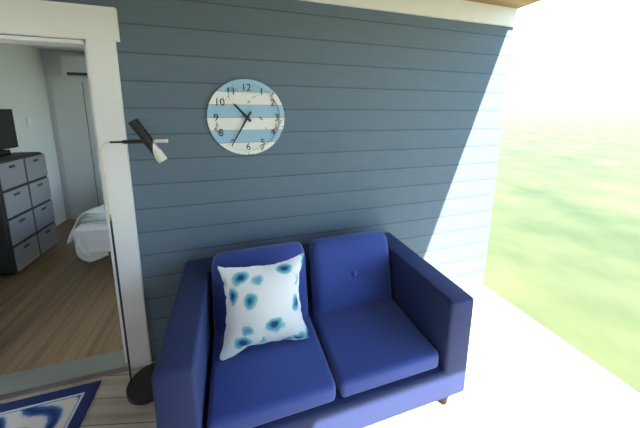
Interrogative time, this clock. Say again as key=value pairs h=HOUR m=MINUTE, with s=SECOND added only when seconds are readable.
h=10 m=35
